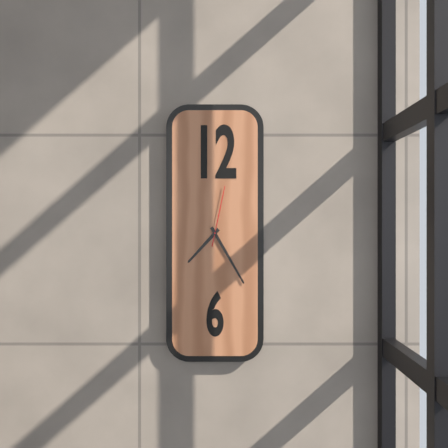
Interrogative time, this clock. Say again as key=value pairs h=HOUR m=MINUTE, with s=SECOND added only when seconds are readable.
h=7 m=25 s=2
